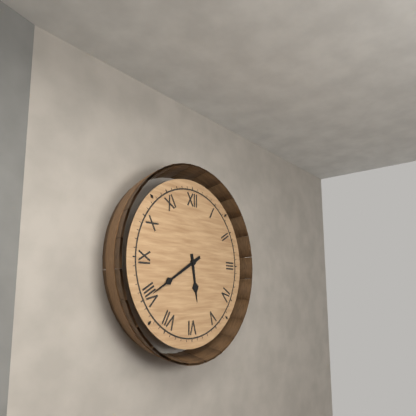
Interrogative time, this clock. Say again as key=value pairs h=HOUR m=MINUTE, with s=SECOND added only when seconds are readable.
h=5 m=40
